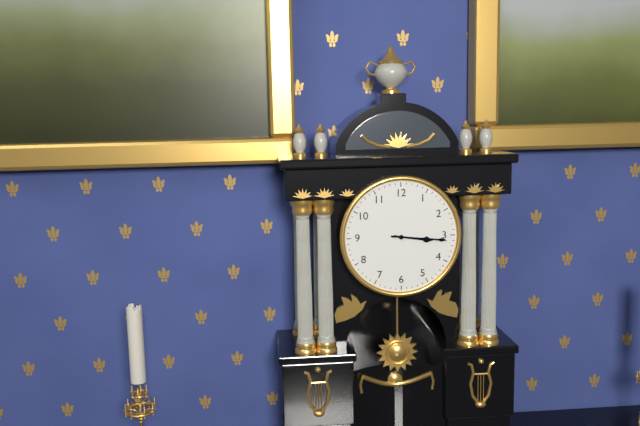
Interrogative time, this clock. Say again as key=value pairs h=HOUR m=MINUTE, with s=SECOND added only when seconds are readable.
h=3 m=16
